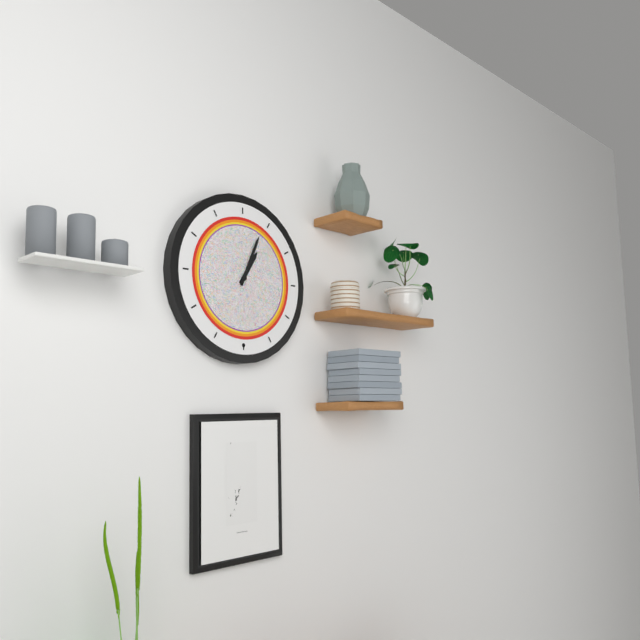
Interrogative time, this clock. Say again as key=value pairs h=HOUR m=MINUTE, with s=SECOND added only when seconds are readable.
h=1 m=4
